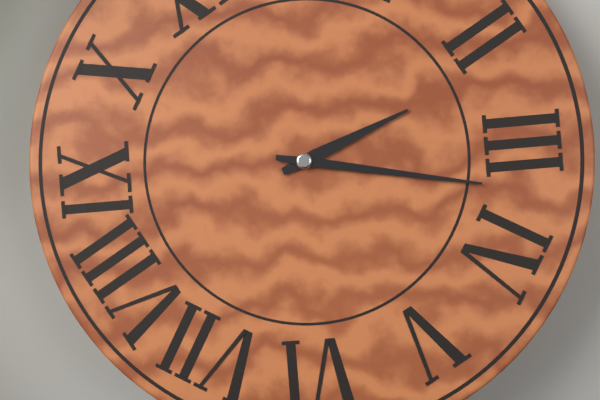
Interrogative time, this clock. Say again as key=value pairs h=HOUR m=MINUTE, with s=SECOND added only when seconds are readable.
h=2 m=17
